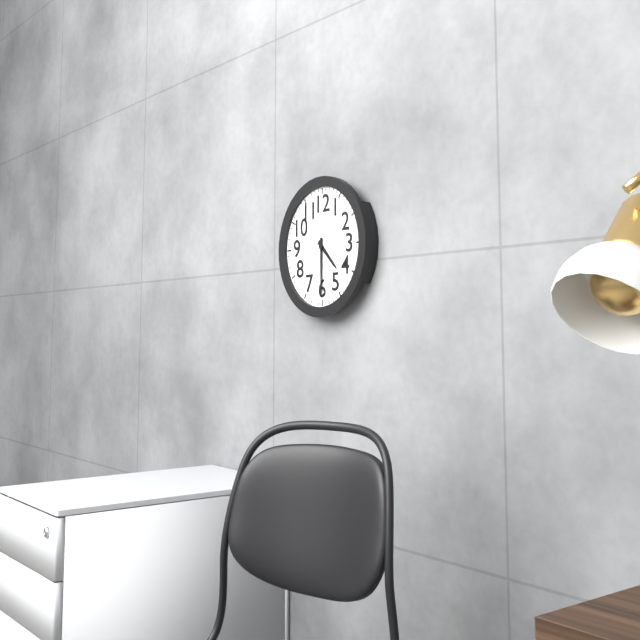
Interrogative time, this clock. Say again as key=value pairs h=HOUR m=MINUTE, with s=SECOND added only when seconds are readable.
h=4 m=30
